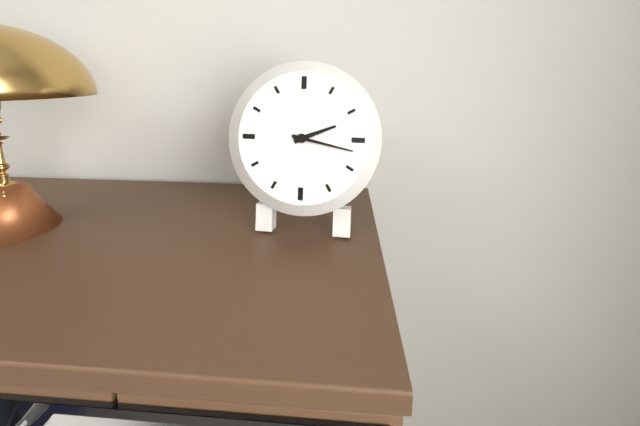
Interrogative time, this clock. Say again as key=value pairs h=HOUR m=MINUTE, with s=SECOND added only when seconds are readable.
h=2 m=17
